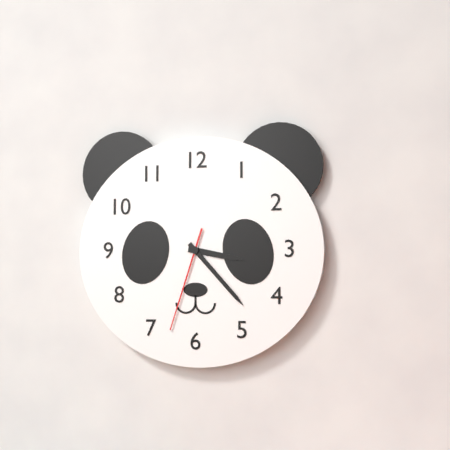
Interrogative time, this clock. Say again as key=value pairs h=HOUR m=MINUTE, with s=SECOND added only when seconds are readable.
h=3 m=23 s=33
